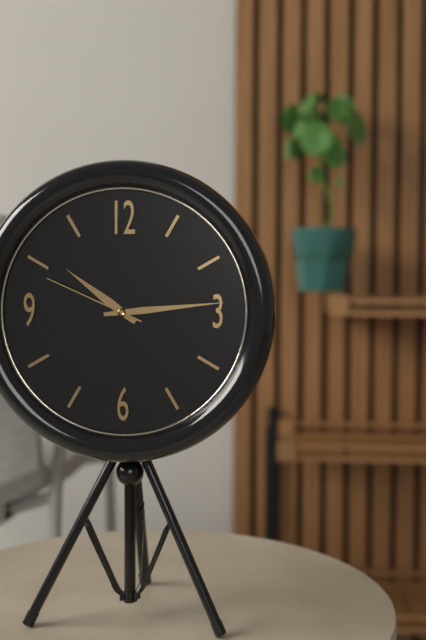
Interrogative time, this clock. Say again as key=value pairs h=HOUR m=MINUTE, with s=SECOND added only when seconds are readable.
h=10 m=14 s=49
